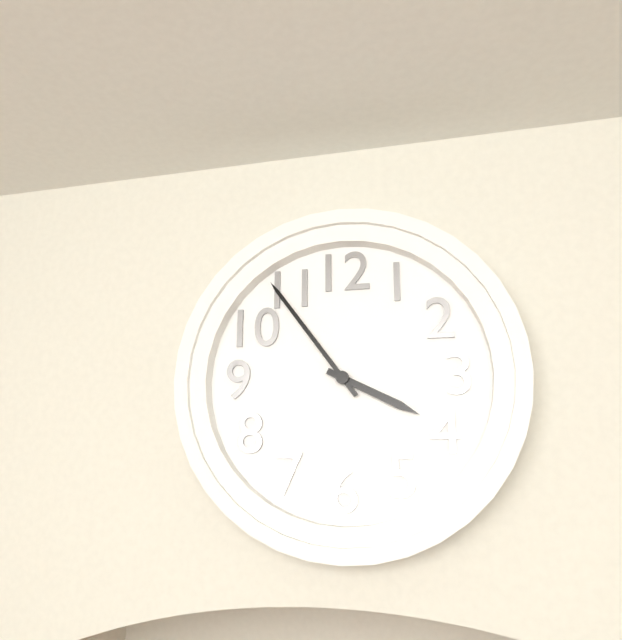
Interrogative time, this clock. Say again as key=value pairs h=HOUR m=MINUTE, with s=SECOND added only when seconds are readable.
h=3 m=54
